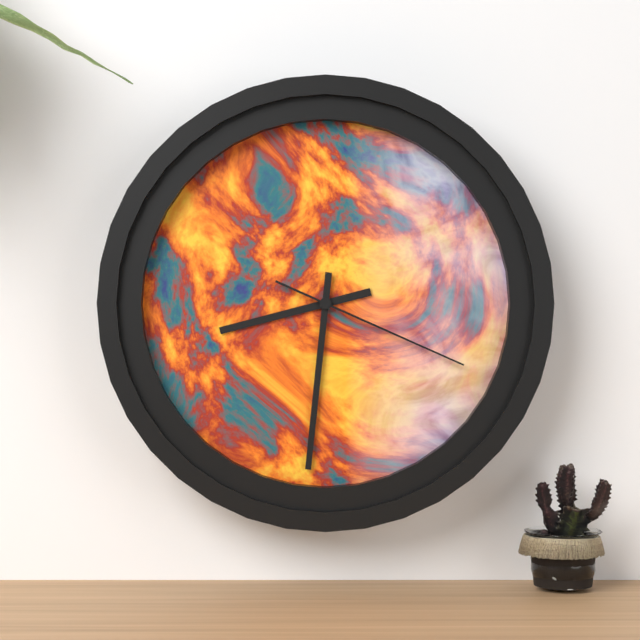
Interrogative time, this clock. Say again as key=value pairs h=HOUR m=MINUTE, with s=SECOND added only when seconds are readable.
h=8 m=31 s=19
